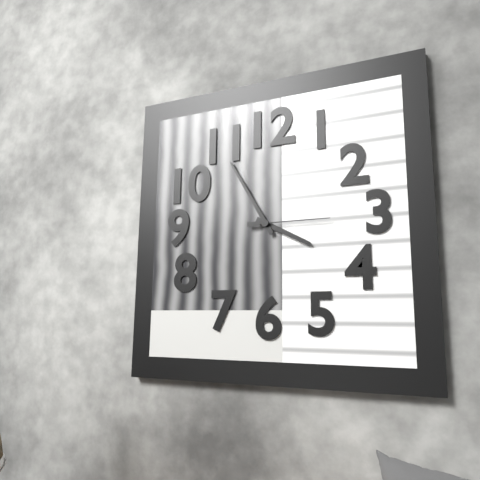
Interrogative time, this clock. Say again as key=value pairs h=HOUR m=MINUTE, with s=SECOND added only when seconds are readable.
h=3 m=55 s=15
